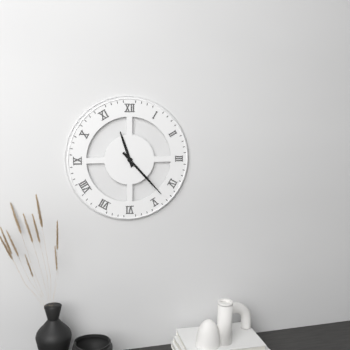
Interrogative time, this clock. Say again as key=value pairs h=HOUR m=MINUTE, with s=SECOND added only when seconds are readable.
h=11 m=23
